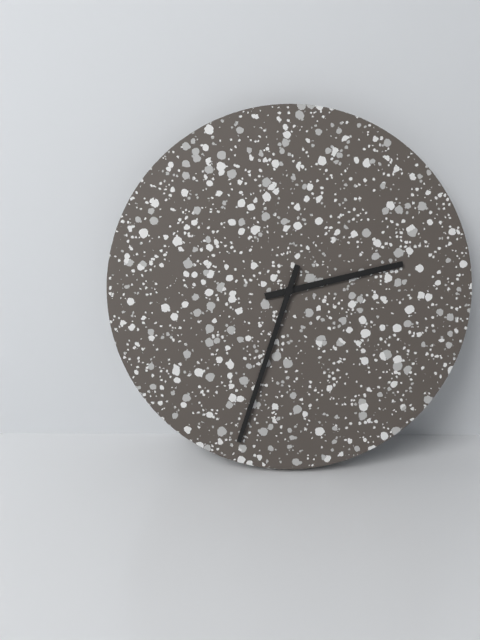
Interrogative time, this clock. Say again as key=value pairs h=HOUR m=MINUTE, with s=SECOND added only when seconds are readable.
h=2 m=33
